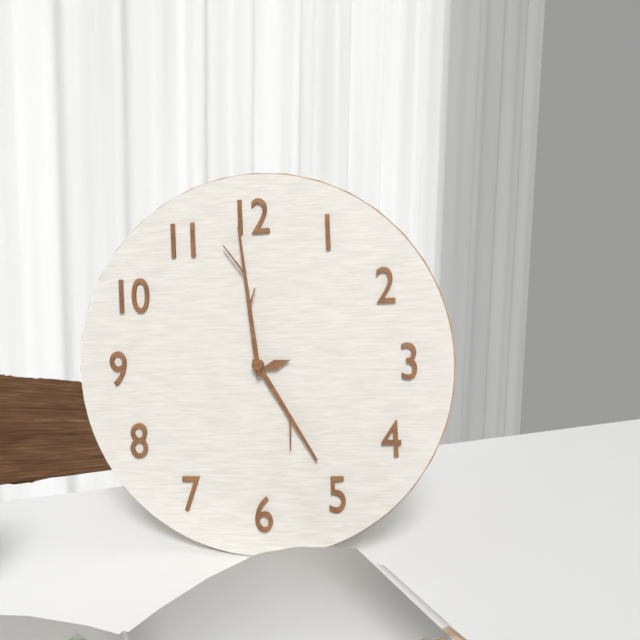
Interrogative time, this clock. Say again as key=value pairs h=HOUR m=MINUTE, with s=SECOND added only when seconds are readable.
h=4 m=59
